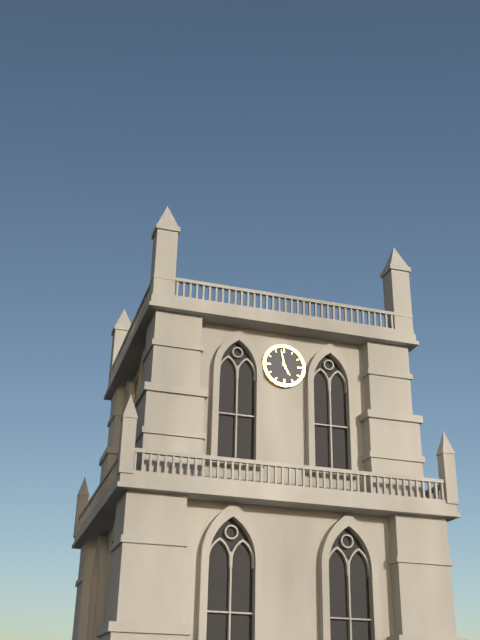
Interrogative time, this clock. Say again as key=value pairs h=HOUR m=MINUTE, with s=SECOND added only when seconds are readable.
h=4 m=58
